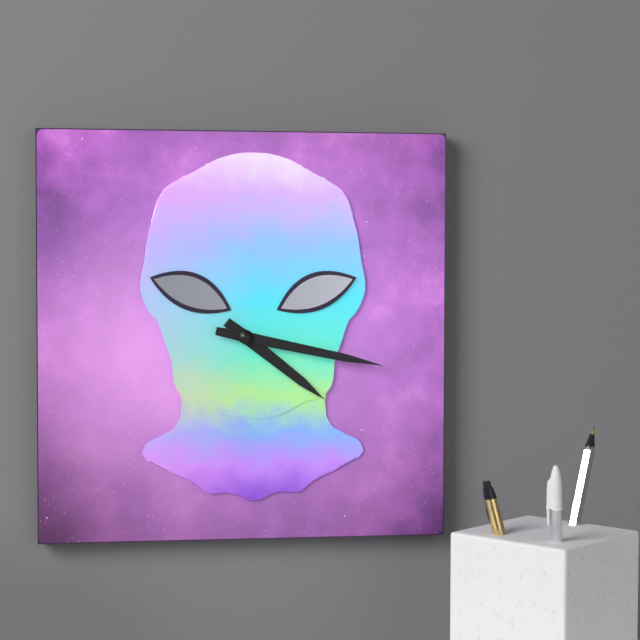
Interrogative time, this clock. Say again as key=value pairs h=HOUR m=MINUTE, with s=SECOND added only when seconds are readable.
h=4 m=17
